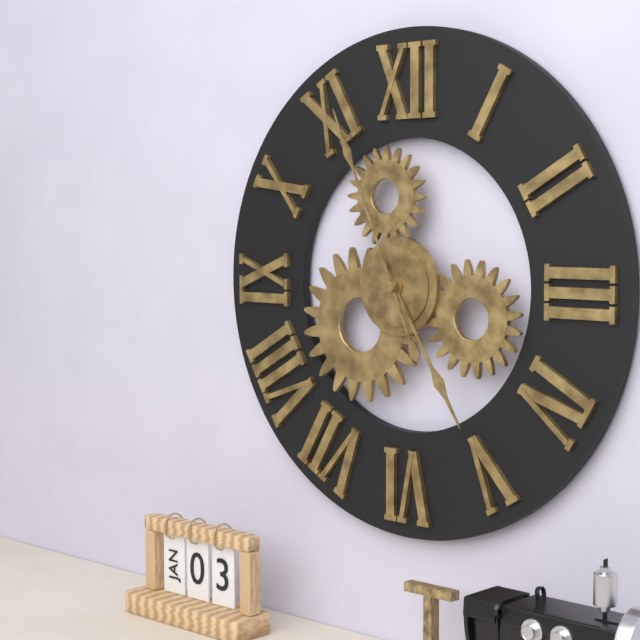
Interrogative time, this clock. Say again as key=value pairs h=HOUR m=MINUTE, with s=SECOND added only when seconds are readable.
h=4 m=56
